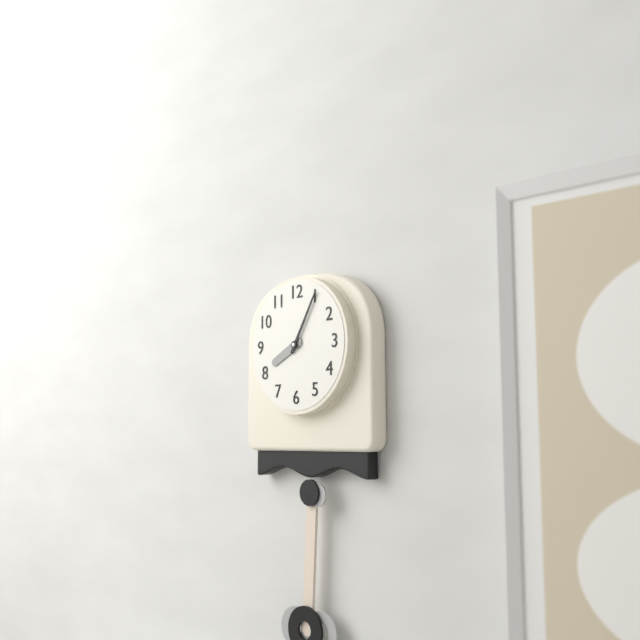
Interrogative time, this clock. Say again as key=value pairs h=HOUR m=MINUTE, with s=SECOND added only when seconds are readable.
h=8 m=5
